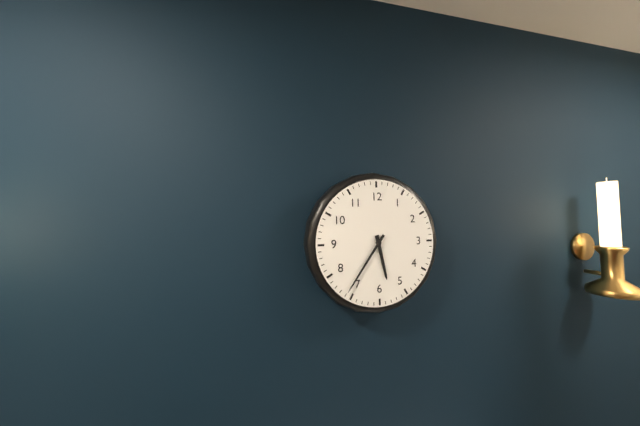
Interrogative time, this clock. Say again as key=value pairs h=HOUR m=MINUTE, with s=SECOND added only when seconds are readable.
h=5 m=36
